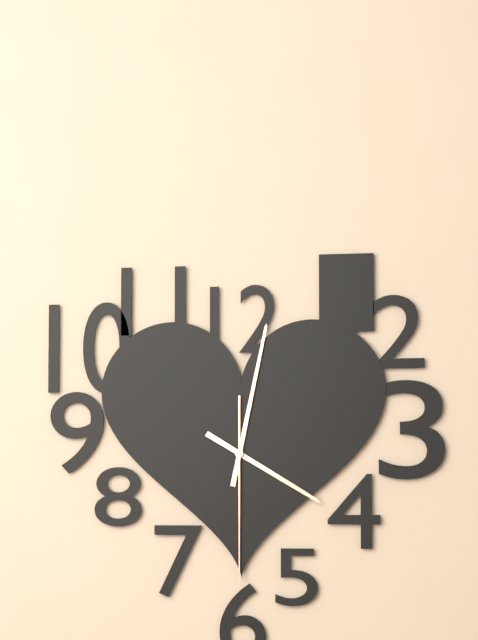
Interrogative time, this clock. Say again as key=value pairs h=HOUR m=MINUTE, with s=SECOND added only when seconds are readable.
h=4 m=2 s=30
